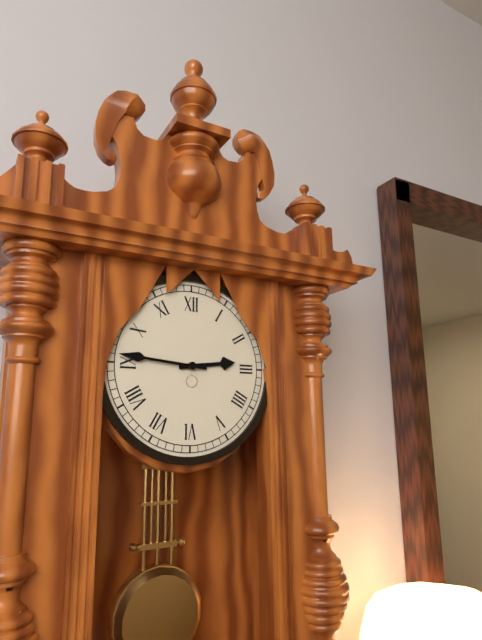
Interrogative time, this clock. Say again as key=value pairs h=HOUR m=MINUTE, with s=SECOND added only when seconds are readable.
h=2 m=46
